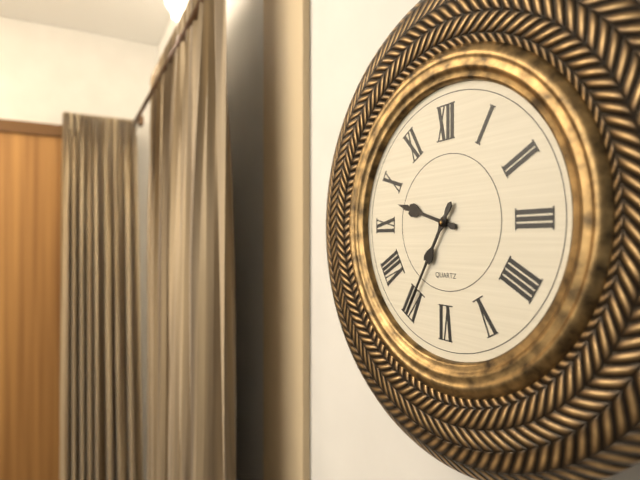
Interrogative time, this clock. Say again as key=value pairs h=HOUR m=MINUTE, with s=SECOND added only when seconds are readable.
h=9 m=35
